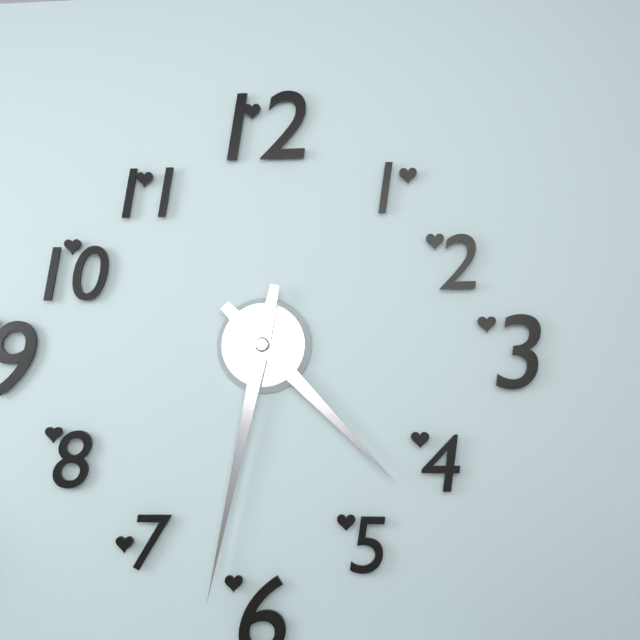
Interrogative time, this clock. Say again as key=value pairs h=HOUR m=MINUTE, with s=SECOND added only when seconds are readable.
h=4 m=32
